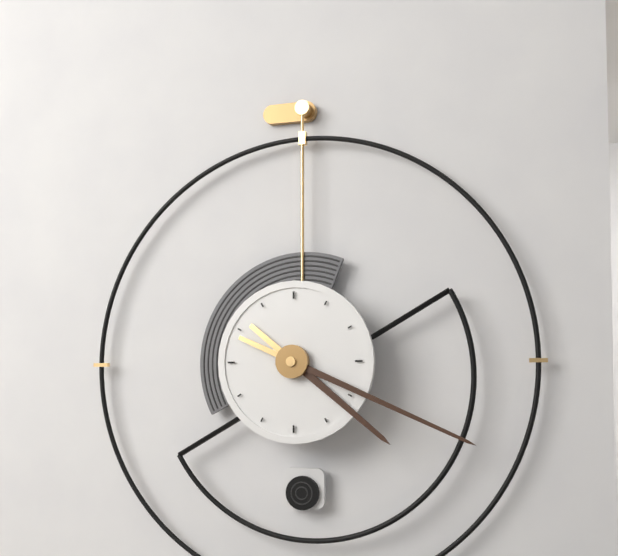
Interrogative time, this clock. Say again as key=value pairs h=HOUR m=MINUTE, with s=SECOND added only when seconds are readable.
h=4 m=19
